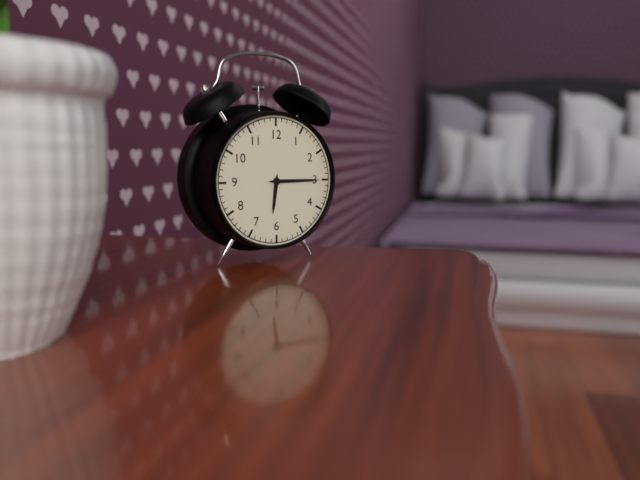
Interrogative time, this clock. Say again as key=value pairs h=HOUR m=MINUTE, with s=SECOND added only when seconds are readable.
h=6 m=15
